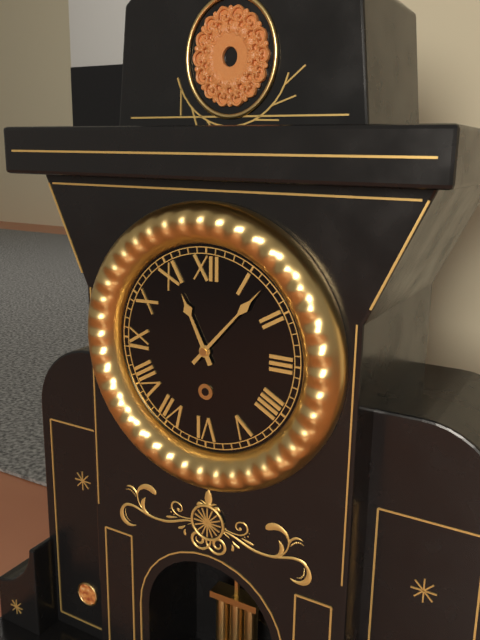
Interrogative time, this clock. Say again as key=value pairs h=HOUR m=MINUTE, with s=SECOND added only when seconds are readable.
h=11 m=7
